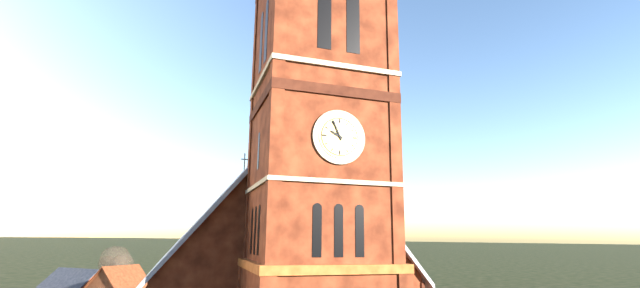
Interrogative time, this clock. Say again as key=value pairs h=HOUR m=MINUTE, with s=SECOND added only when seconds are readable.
h=9 m=56
